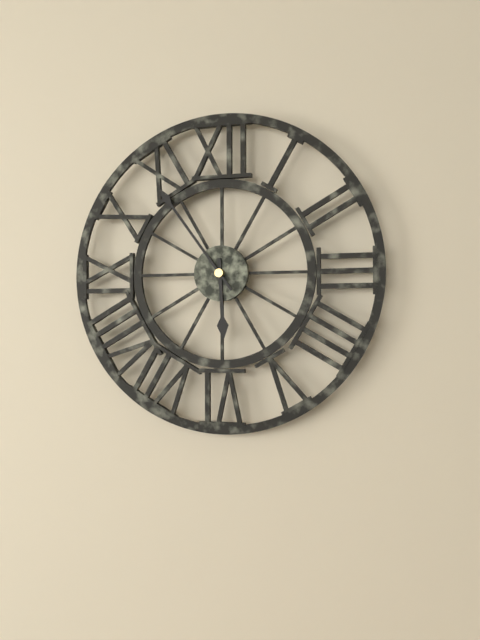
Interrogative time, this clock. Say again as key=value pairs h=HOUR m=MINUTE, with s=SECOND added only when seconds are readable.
h=5 m=54
